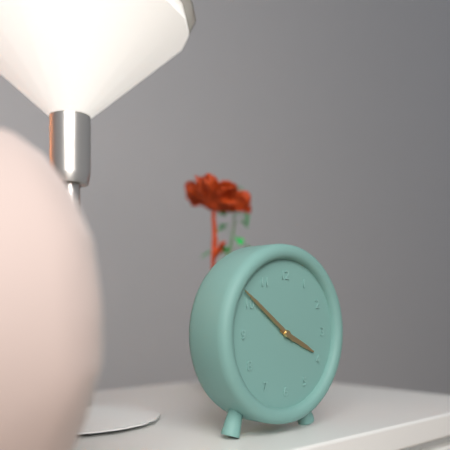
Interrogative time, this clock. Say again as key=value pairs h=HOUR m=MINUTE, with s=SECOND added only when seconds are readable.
h=3 m=51
